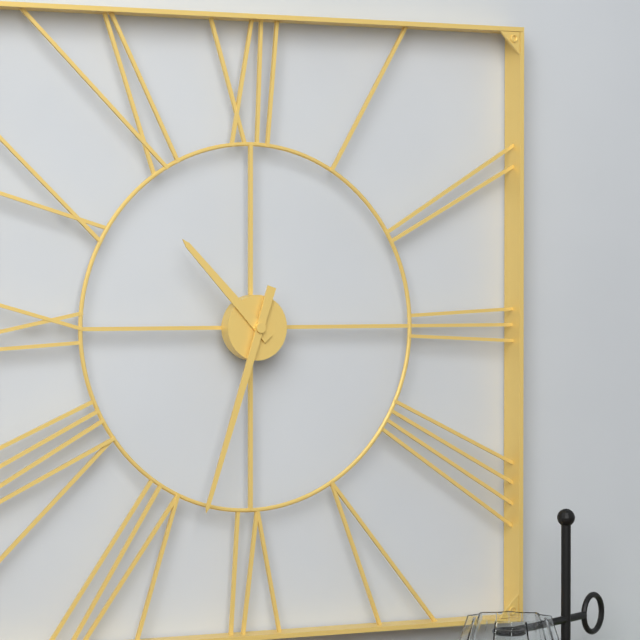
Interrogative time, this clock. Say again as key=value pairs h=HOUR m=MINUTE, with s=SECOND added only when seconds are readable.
h=10 m=33
